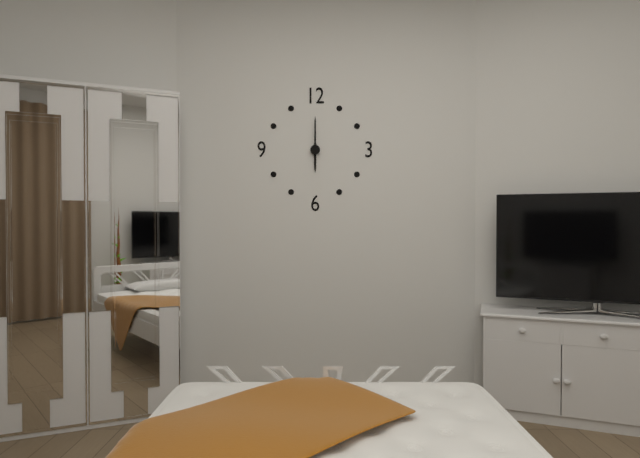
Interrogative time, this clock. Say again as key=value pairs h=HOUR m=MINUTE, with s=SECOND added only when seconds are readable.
h=6 m=0
